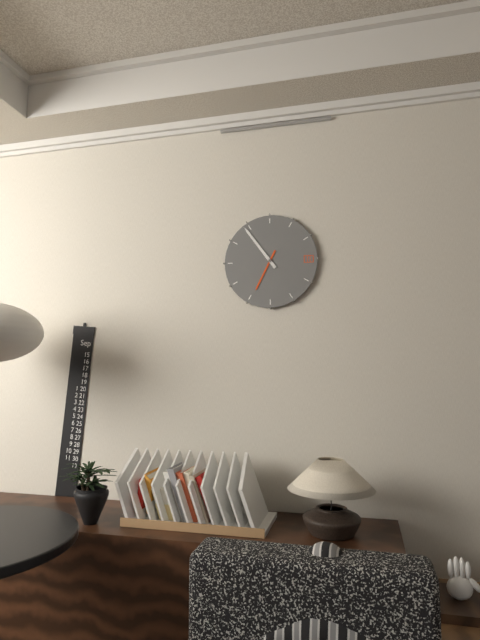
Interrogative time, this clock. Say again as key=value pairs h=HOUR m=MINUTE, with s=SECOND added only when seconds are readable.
h=6 m=54
